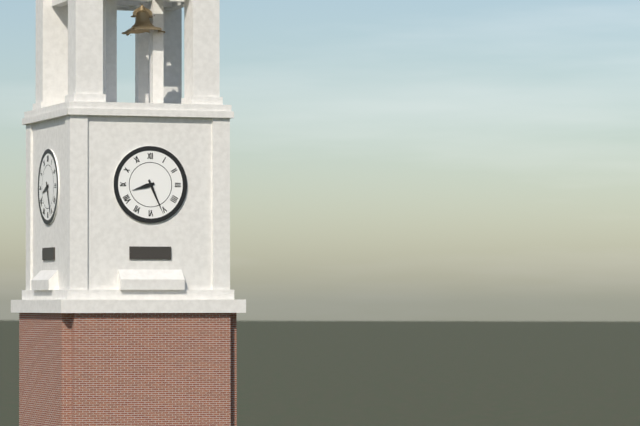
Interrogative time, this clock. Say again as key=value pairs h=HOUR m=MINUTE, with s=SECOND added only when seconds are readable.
h=8 m=26
